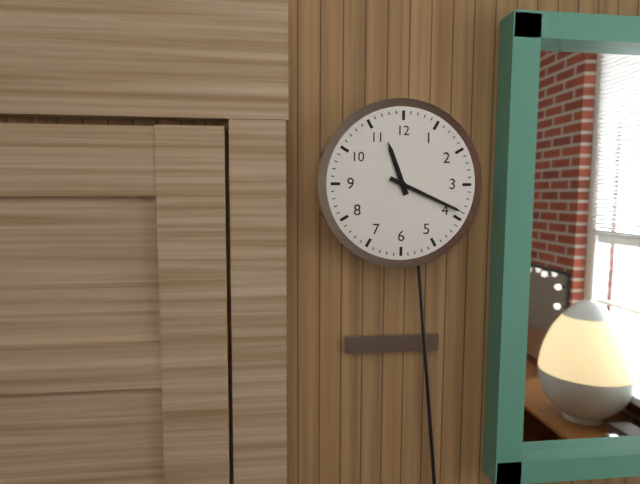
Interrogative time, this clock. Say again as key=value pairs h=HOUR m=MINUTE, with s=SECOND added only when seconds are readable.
h=11 m=19
